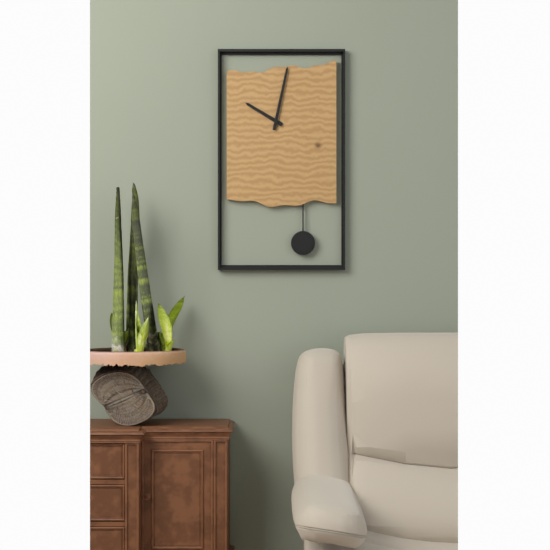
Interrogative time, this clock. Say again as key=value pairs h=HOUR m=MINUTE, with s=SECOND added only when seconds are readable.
h=10 m=2
